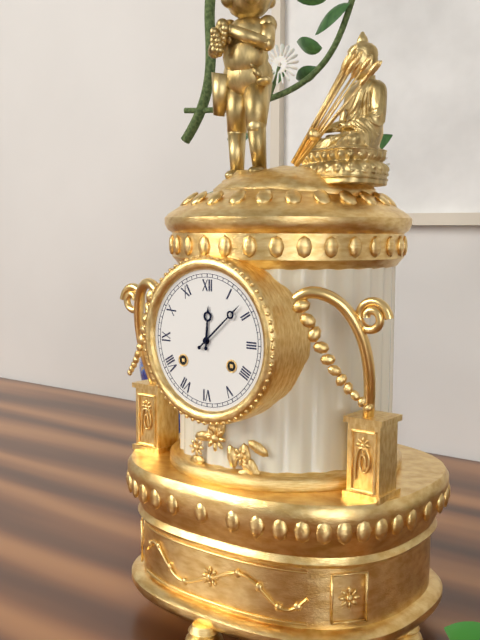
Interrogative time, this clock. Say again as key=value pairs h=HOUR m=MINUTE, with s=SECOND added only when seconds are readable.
h=12 m=8
